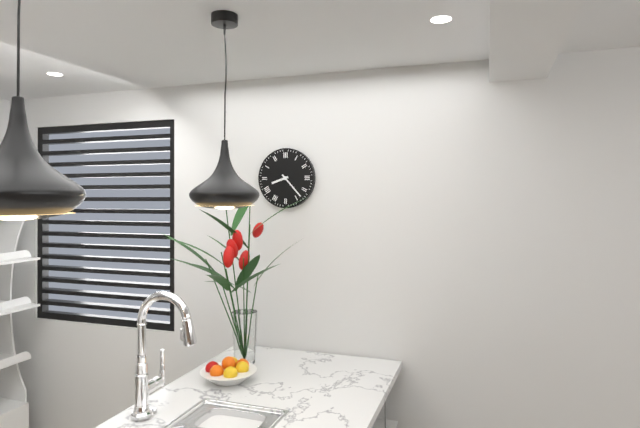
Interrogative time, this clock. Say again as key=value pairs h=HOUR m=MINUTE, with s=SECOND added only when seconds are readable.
h=8 m=23
